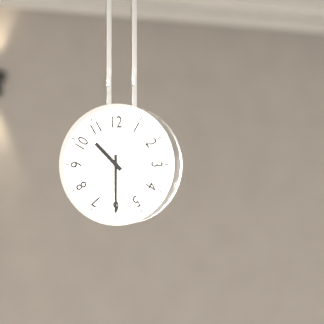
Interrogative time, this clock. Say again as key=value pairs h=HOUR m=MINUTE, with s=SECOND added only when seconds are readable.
h=10 m=30
